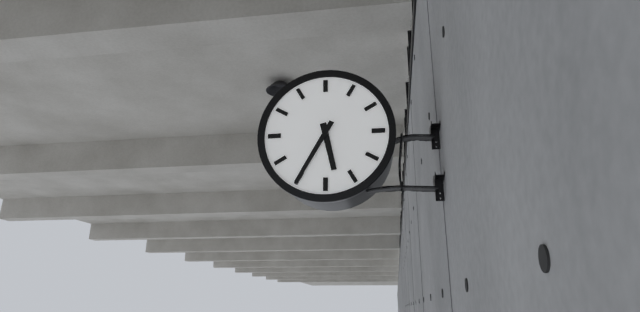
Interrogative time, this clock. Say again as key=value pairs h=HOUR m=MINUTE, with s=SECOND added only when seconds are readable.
h=5 m=35
